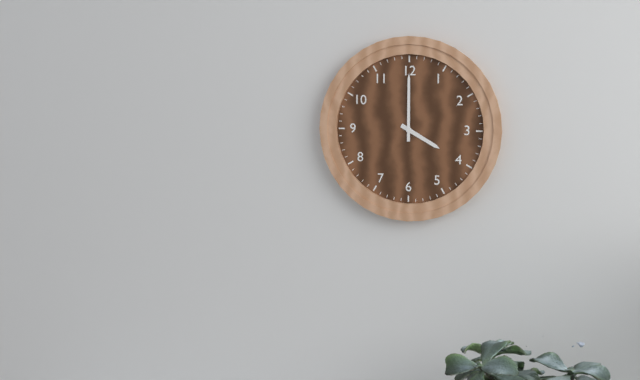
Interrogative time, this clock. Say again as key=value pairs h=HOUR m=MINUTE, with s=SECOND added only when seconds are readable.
h=4 m=0
